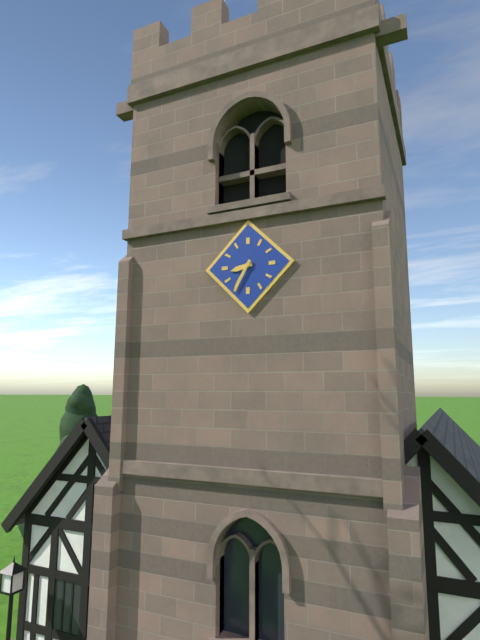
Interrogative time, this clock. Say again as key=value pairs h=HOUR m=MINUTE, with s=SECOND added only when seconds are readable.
h=8 m=35
